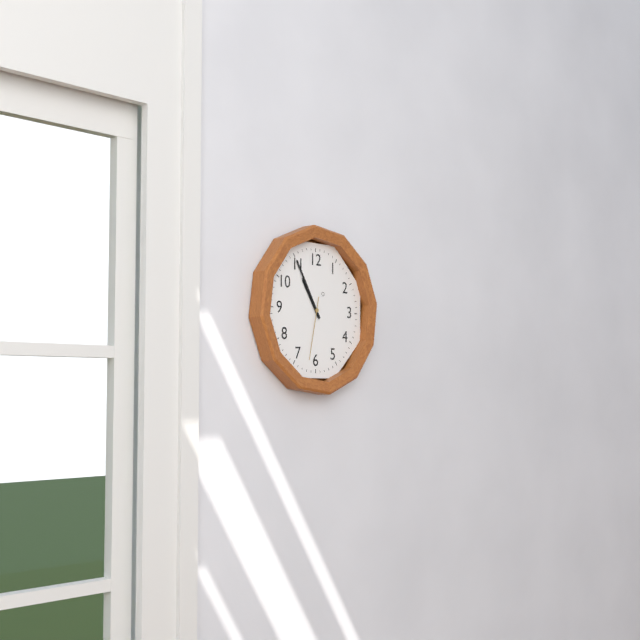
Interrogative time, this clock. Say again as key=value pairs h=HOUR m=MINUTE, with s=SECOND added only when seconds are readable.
h=10 m=55 s=32
